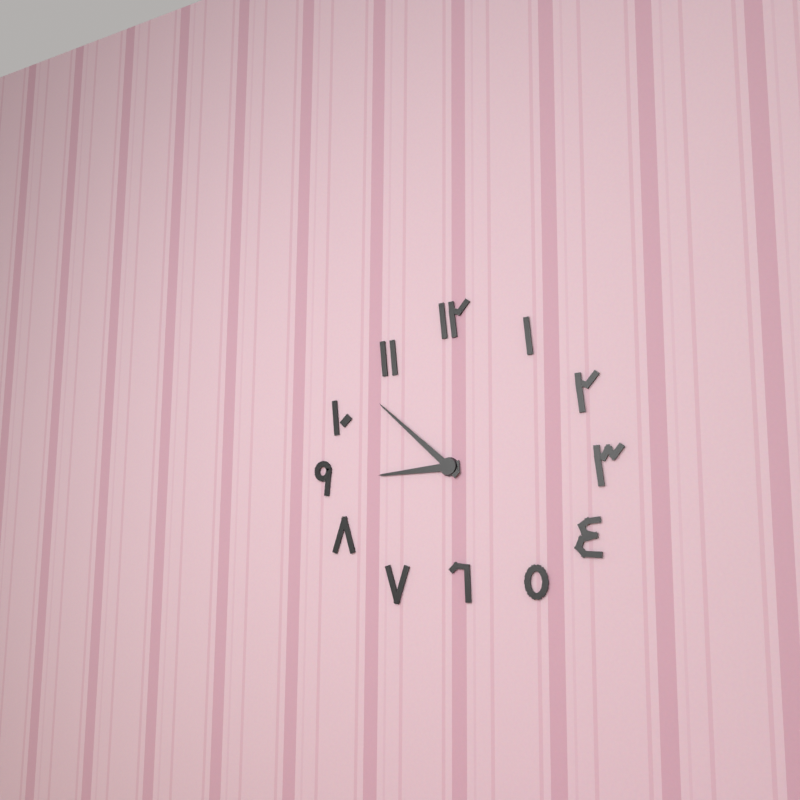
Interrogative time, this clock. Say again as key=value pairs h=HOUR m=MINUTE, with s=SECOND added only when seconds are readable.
h=8 m=52
